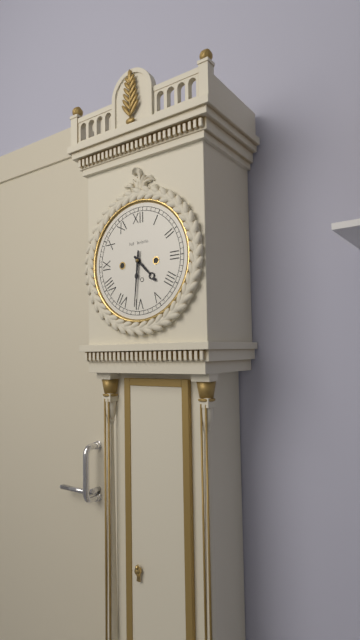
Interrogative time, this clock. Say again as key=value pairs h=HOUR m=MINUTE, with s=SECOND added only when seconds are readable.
h=4 m=31
